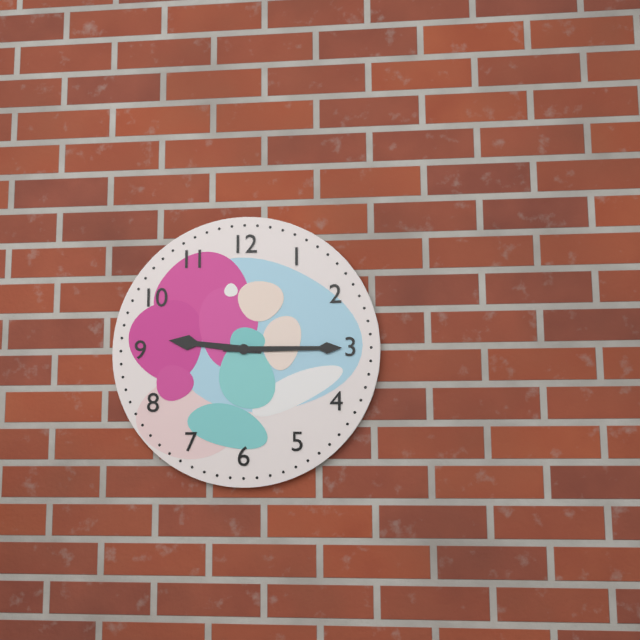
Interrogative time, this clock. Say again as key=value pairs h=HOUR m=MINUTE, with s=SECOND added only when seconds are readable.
h=9 m=15
